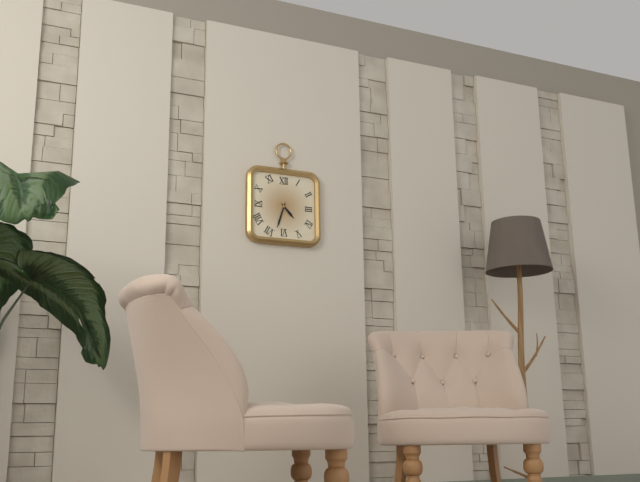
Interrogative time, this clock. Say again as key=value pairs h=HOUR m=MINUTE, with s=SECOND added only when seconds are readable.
h=4 m=33
